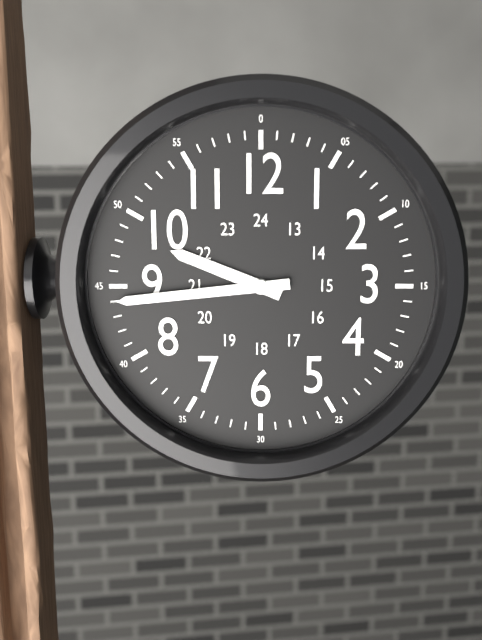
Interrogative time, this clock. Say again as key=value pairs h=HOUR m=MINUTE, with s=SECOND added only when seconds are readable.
h=9 m=44
